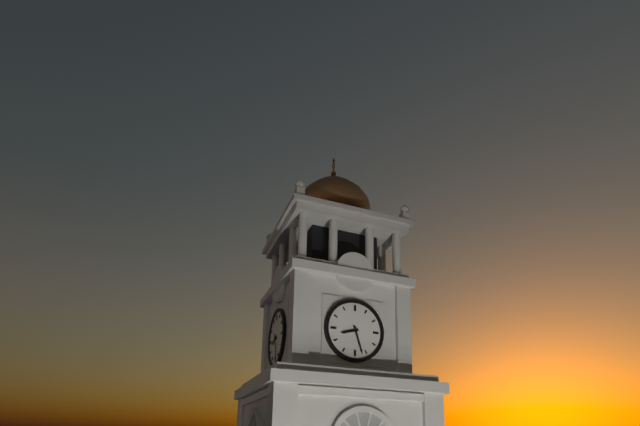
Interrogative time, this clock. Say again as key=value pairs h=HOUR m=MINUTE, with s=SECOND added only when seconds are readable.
h=8 m=27
